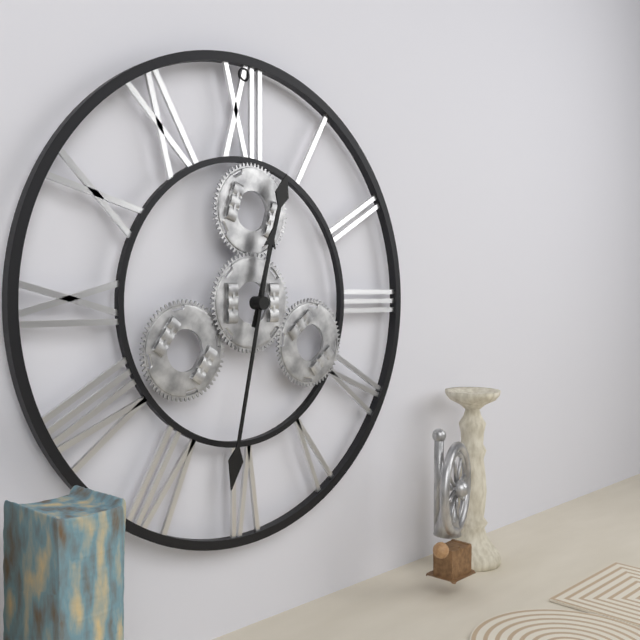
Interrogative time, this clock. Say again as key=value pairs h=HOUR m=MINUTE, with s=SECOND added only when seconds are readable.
h=12 m=32
